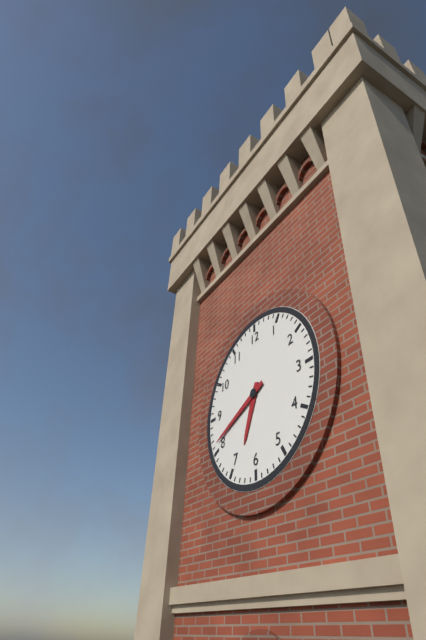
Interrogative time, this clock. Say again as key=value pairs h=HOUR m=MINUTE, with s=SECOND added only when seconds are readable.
h=6 m=41
